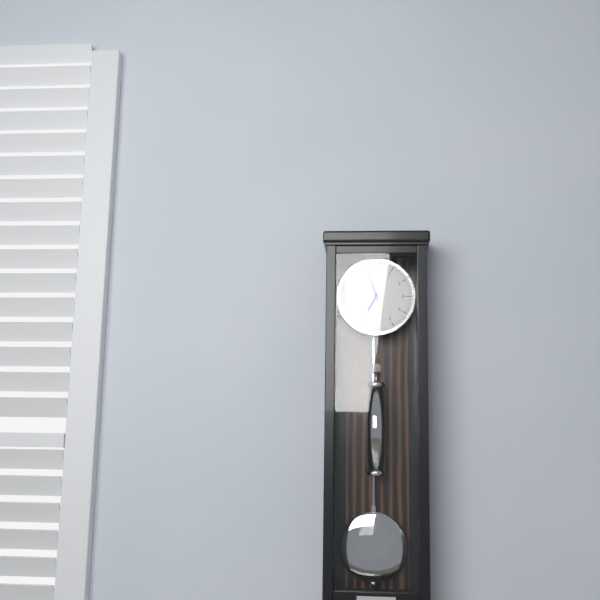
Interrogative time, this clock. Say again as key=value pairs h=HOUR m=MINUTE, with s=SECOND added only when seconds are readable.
h=6 m=57
